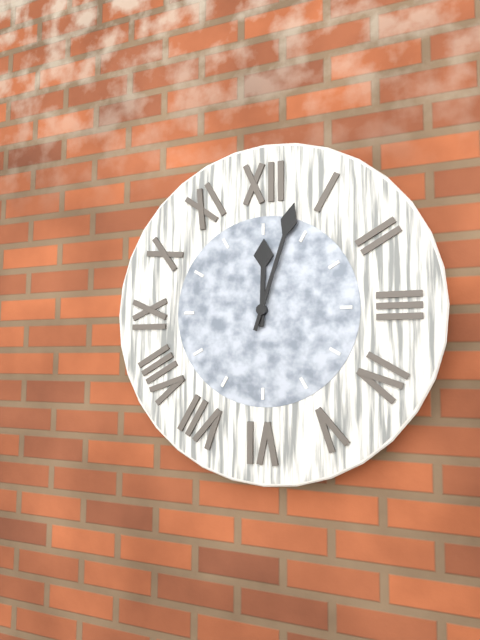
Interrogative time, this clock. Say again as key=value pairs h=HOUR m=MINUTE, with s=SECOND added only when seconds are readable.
h=12 m=3
